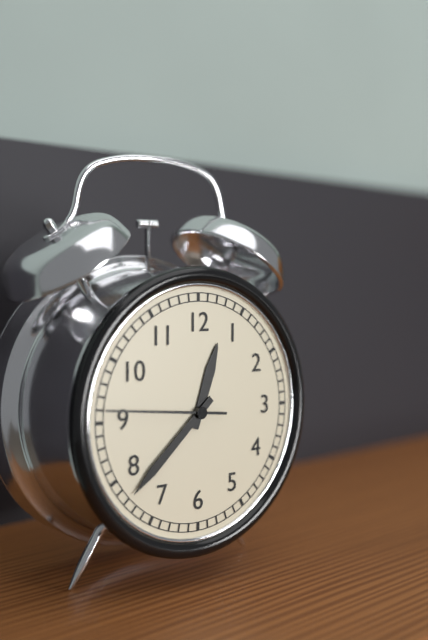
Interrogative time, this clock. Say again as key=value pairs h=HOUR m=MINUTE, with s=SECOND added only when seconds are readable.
h=12 m=38 s=46
